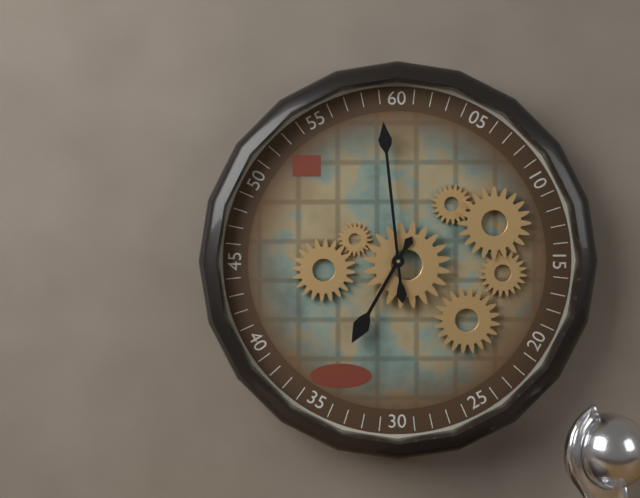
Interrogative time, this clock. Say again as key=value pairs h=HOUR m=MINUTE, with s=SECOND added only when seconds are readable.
h=6 m=59
